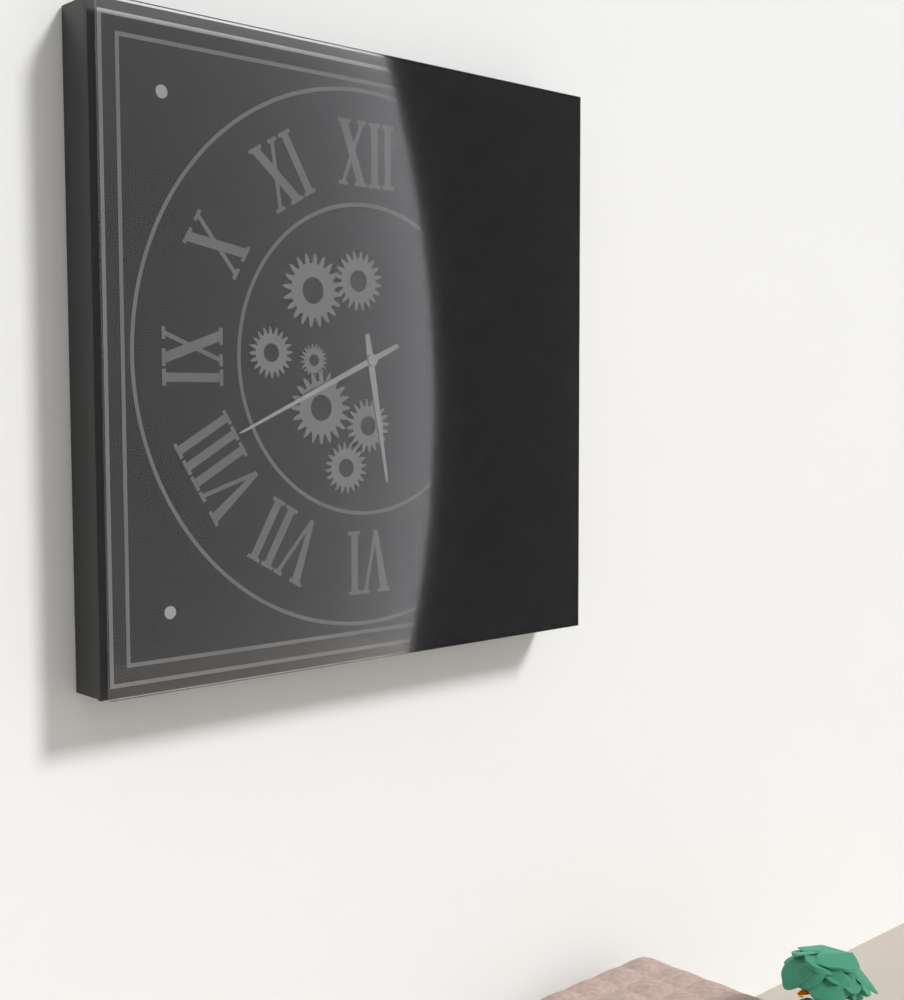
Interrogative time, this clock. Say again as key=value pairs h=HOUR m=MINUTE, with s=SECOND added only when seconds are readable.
h=5 m=41
